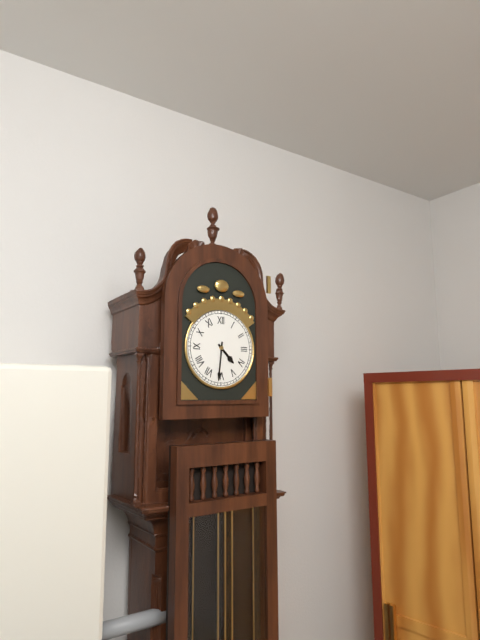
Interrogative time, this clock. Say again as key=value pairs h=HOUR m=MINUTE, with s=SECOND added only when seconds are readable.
h=4 m=31
